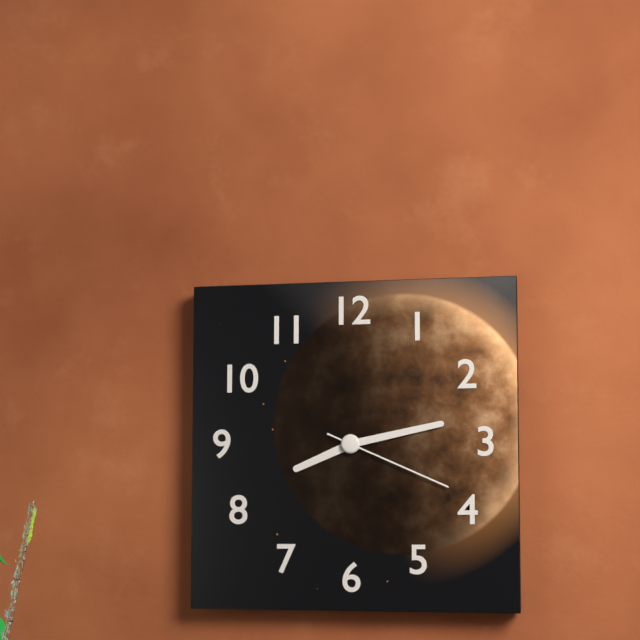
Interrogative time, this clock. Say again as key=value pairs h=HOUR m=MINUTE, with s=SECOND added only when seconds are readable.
h=8 m=13 s=19
